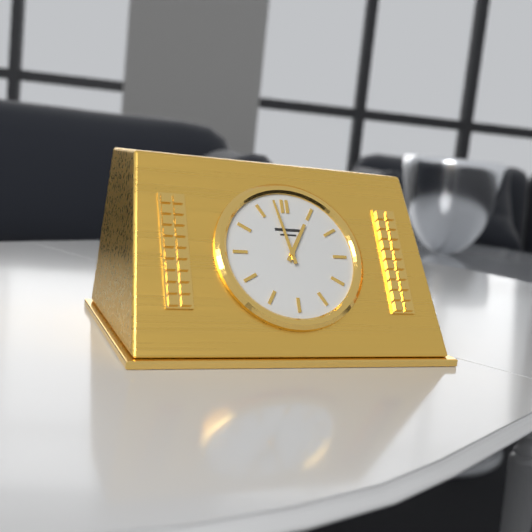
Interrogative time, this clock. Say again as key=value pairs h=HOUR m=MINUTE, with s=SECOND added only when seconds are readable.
h=12 m=58
